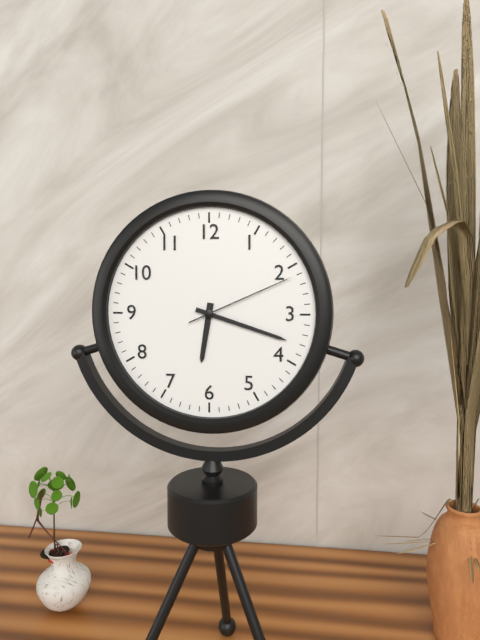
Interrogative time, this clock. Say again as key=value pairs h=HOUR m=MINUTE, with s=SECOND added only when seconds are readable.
h=6 m=18 s=11
